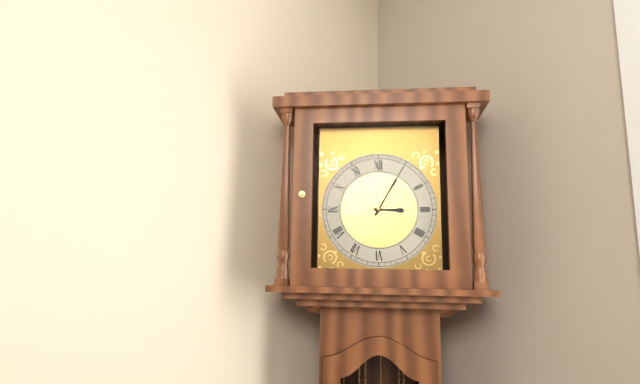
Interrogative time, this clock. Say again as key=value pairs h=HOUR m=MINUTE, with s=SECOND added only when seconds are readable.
h=3 m=5
